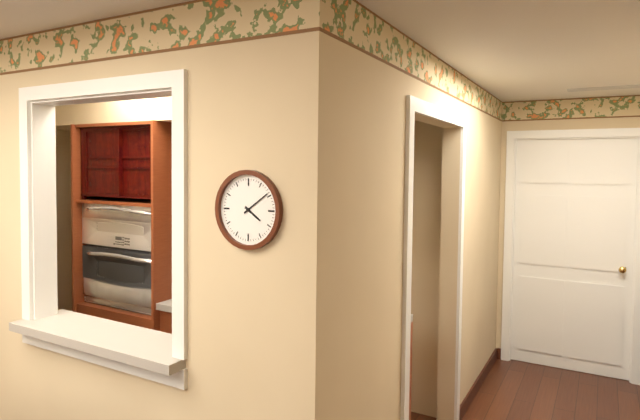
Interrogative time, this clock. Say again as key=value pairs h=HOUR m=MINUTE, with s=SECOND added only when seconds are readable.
h=4 m=9
